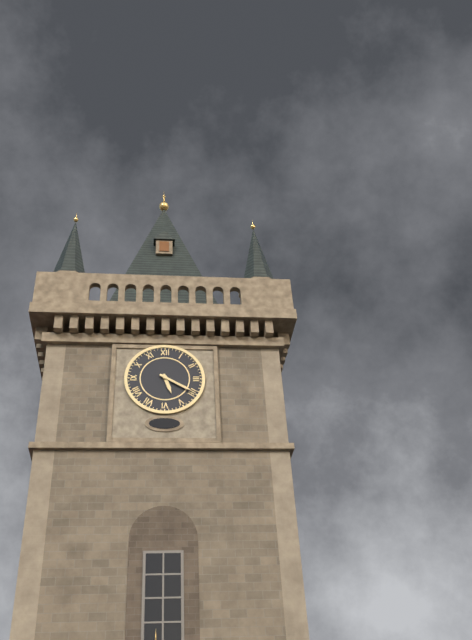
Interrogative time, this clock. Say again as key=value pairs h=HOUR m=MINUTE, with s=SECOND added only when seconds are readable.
h=5 m=20
